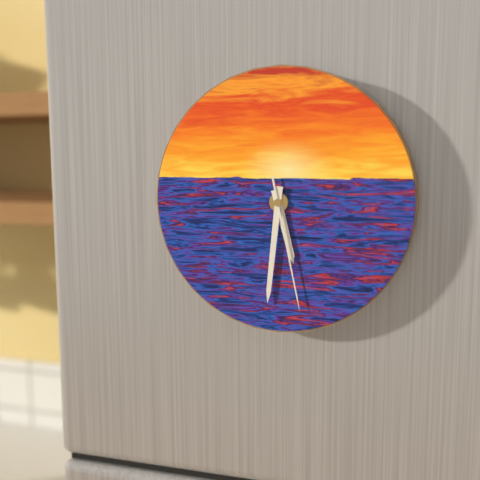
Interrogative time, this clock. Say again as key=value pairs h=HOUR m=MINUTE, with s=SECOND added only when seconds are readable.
h=5 m=31 s=28
